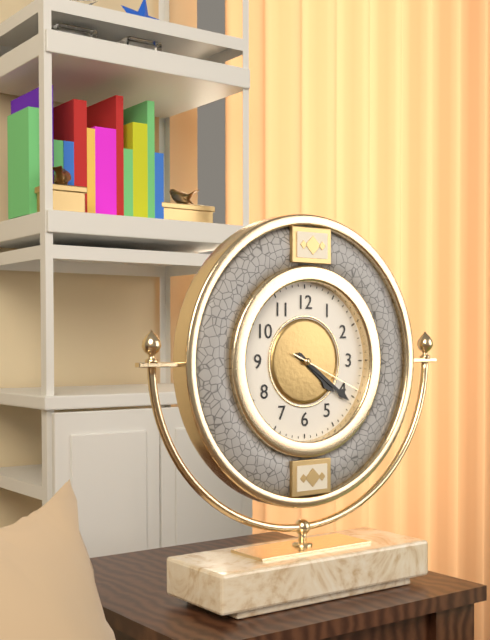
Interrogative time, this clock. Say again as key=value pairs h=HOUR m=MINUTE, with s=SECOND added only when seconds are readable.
h=4 m=21 s=19
